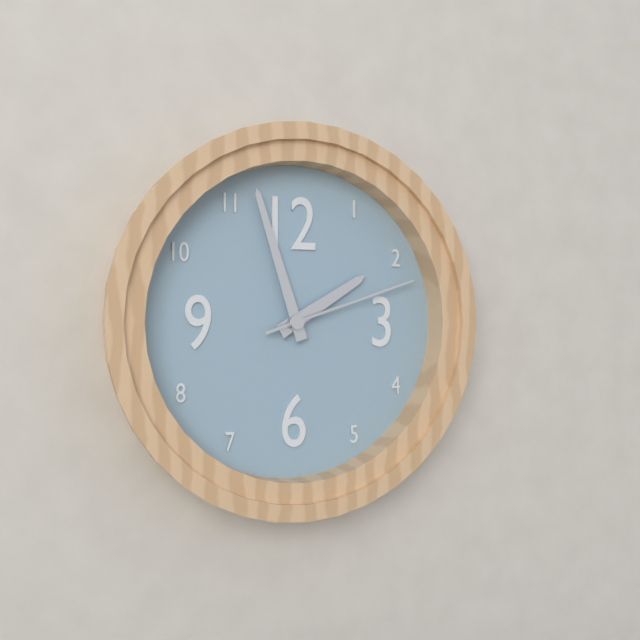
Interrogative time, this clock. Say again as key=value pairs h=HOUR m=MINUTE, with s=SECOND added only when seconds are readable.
h=1 m=57 s=12
